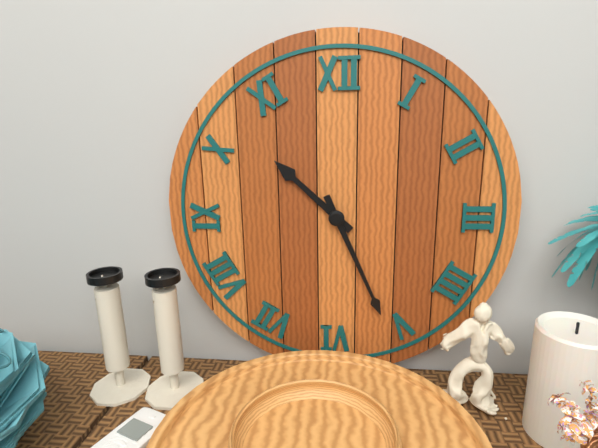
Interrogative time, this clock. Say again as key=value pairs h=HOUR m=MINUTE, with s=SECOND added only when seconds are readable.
h=10 m=26
